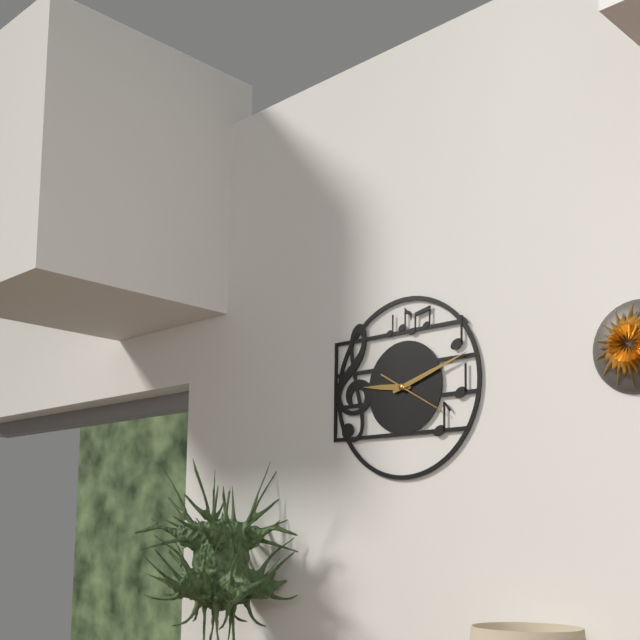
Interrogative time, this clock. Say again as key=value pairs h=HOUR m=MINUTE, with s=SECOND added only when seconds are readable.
h=9 m=12 s=20
